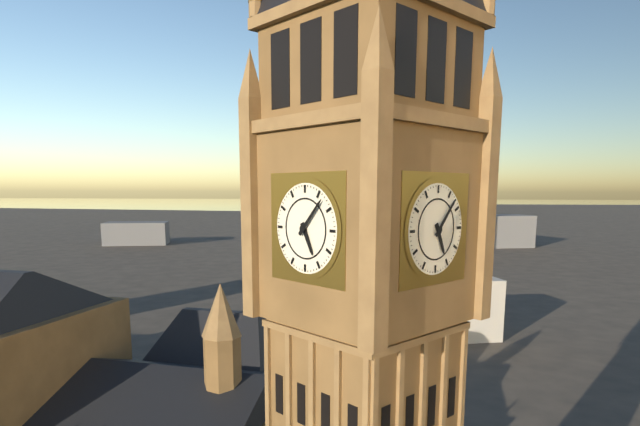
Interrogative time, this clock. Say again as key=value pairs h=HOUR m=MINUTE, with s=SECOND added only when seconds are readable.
h=5 m=7
